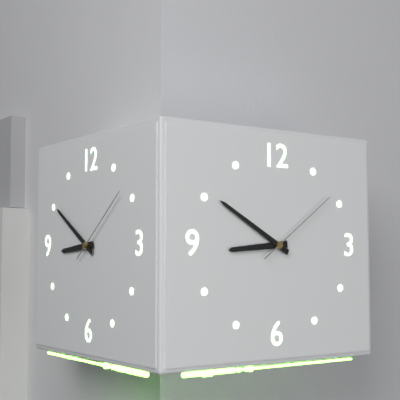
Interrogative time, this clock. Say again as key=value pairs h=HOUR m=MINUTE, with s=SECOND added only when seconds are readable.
h=8 m=50 s=9
